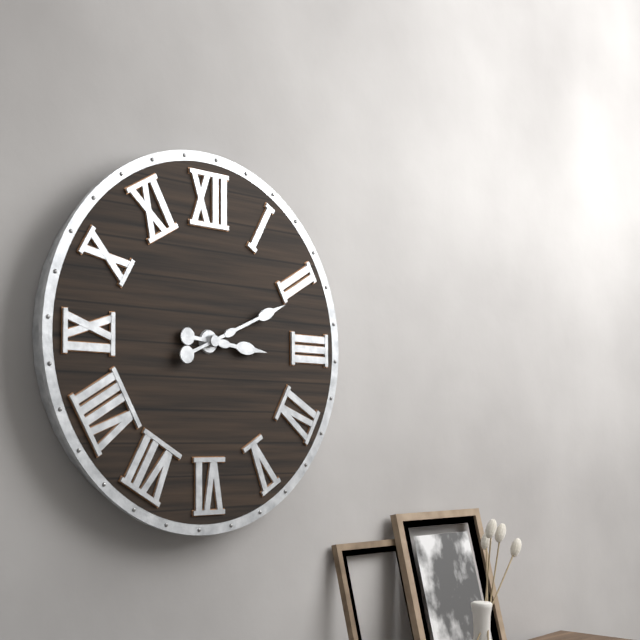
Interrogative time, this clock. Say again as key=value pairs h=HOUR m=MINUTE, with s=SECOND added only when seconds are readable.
h=3 m=11
